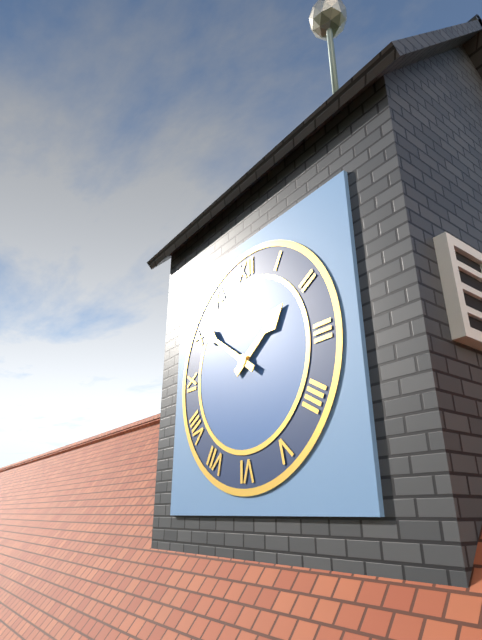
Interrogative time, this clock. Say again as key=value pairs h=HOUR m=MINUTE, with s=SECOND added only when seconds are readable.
h=1 m=51
